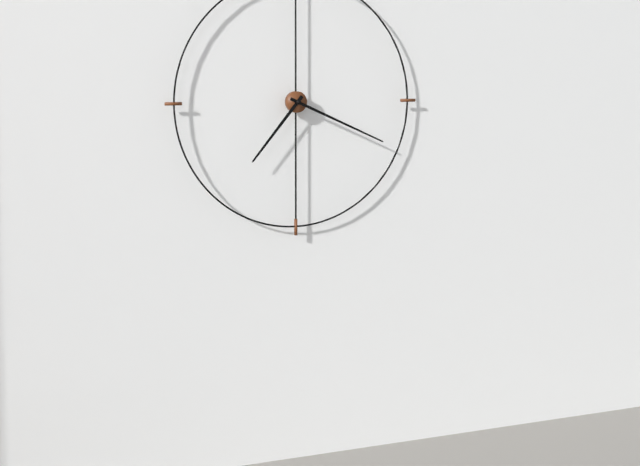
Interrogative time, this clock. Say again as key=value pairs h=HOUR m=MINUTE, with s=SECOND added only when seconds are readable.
h=7 m=19
